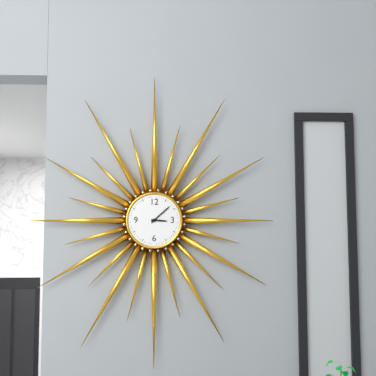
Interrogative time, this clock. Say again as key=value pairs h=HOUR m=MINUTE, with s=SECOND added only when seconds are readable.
h=3 m=8
